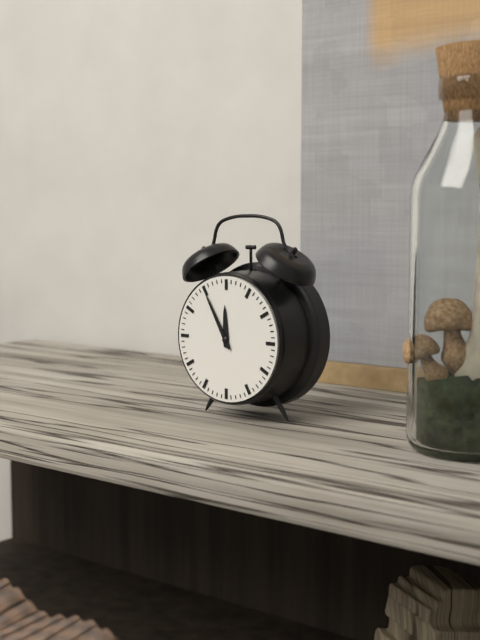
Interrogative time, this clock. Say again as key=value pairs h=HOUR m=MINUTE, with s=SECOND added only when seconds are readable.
h=11 m=55
